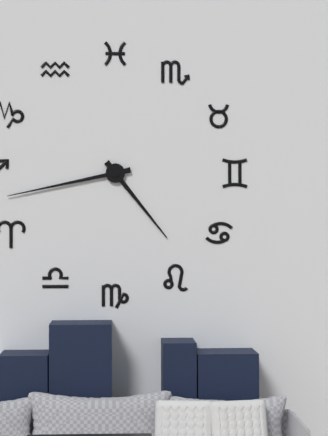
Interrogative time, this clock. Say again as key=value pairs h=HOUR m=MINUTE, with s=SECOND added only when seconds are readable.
h=4 m=43
